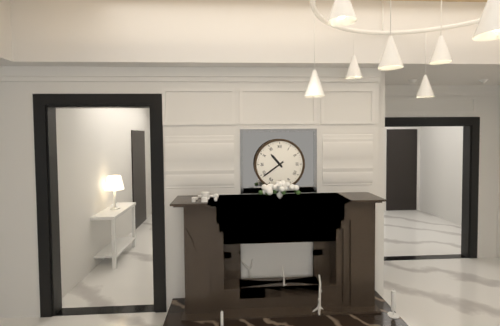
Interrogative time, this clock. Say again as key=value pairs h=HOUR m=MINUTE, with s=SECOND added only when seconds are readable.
h=10 m=39
